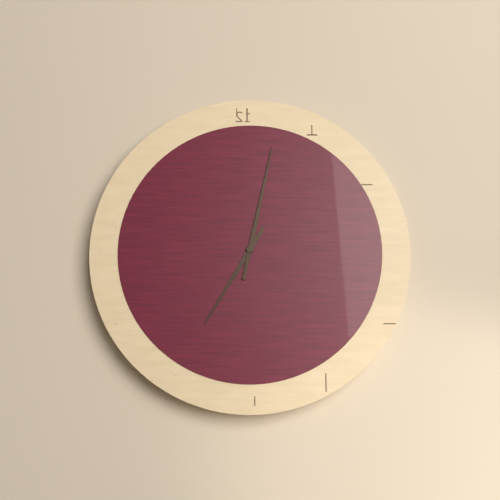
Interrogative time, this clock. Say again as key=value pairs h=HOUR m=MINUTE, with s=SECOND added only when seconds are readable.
h=7 m=2
